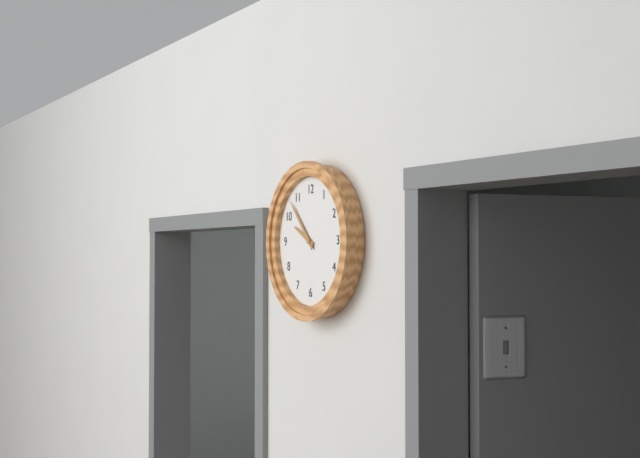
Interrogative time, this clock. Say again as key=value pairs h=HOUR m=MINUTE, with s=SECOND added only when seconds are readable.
h=9 m=53
